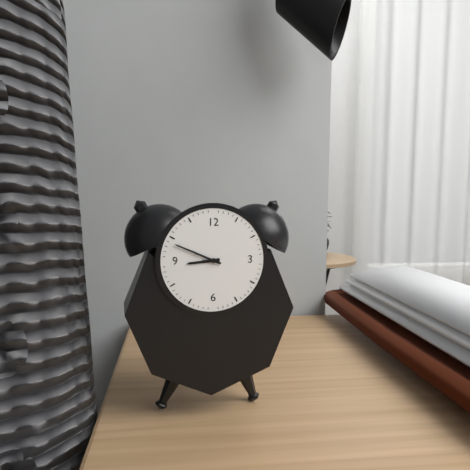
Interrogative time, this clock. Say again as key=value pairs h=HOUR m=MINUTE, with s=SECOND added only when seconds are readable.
h=8 m=49
